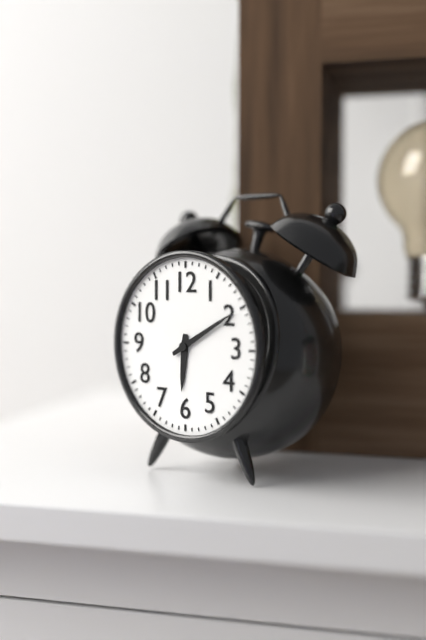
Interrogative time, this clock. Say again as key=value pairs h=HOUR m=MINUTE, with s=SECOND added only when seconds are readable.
h=6 m=10
